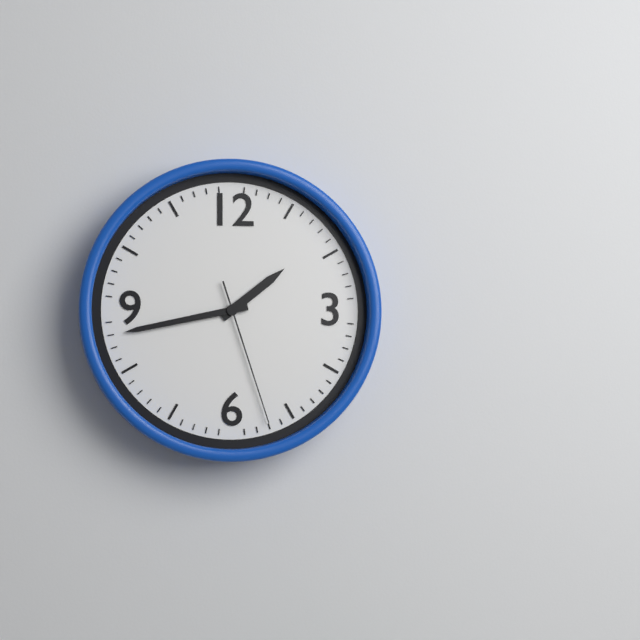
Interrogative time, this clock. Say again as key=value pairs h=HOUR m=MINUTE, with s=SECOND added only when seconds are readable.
h=1 m=43 s=27
